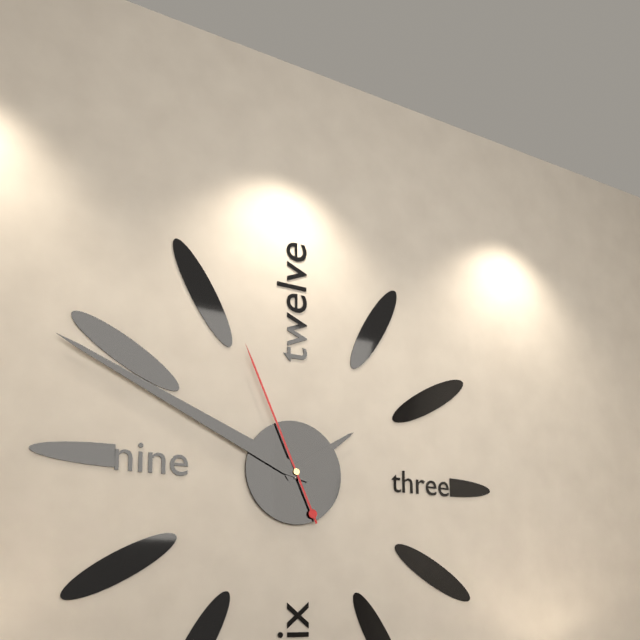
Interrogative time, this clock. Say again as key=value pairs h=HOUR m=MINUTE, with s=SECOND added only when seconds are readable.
h=1 m=49 s=56
